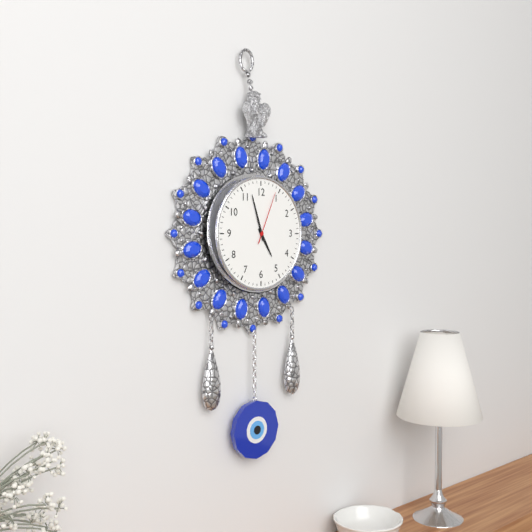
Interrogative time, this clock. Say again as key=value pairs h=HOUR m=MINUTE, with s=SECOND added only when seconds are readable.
h=4 m=57 s=4
